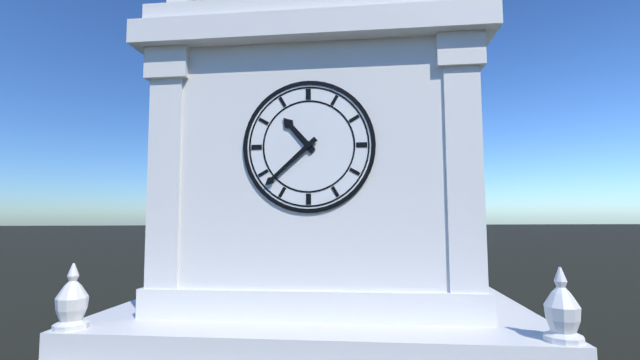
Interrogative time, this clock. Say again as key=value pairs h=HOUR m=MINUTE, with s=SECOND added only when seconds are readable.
h=10 m=38
